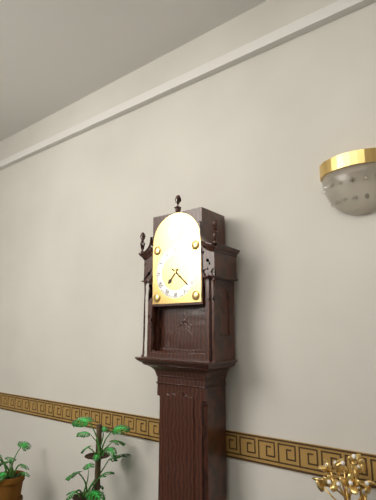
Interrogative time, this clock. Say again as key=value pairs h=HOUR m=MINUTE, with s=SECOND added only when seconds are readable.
h=7 m=22
